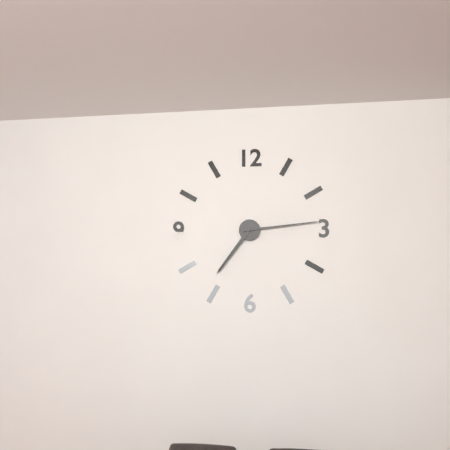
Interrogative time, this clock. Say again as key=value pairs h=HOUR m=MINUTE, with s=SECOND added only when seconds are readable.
h=7 m=14
